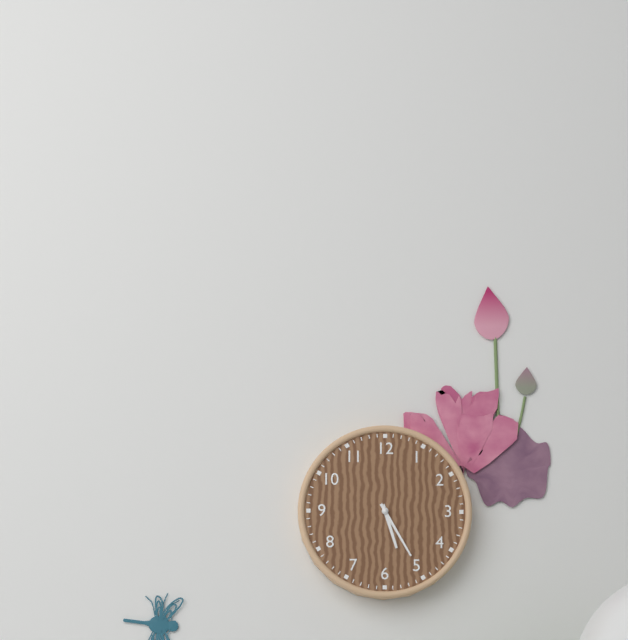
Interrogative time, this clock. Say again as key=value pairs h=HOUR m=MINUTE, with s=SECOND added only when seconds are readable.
h=5 m=25
